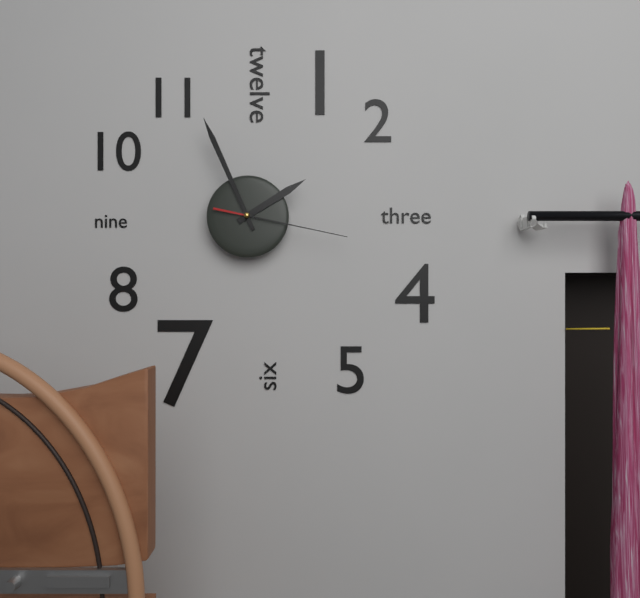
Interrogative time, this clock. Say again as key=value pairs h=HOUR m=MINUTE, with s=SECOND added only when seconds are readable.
h=1 m=56 s=17
